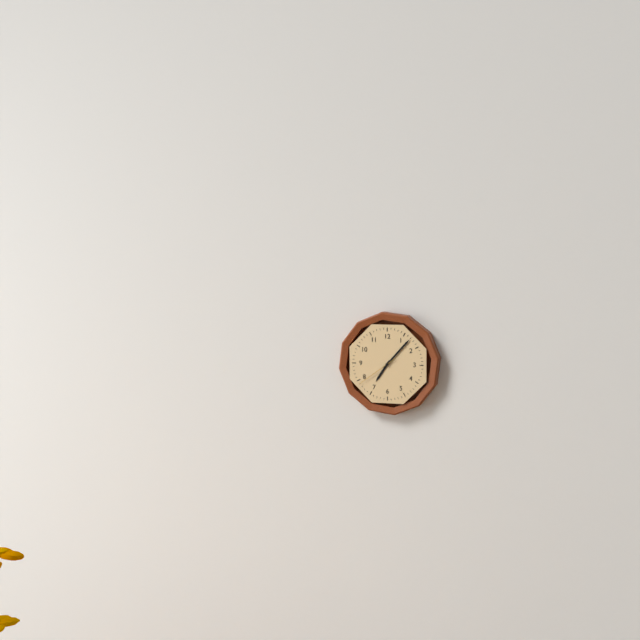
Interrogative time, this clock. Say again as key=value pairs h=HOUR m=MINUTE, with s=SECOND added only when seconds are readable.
h=7 m=7
